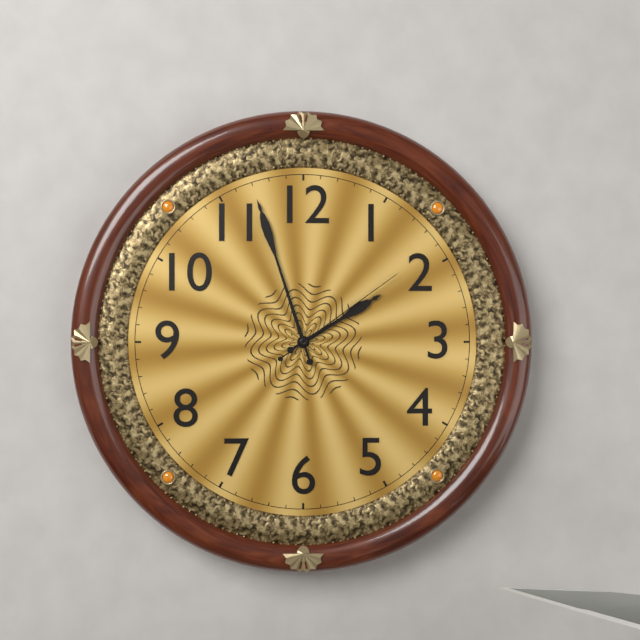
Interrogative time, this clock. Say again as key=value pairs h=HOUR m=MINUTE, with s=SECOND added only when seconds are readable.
h=1 m=57 s=9
